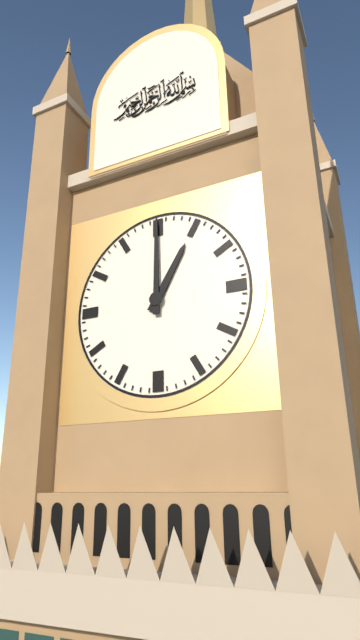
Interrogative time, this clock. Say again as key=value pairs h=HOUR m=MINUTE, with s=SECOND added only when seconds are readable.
h=1 m=0
